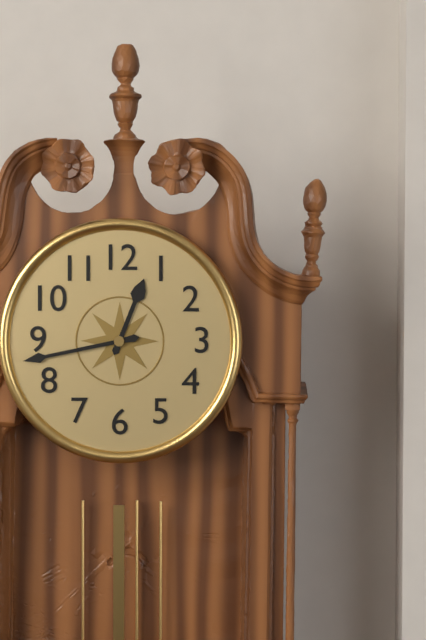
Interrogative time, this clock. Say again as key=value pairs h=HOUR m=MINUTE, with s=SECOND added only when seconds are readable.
h=12 m=43
